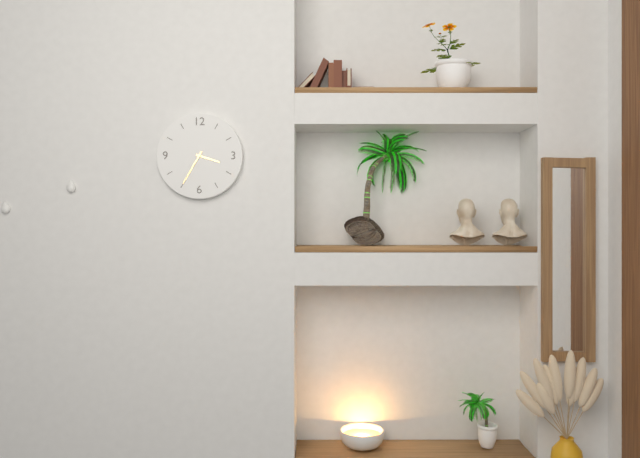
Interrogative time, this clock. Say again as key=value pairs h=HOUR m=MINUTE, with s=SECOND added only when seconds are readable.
h=3 m=35
